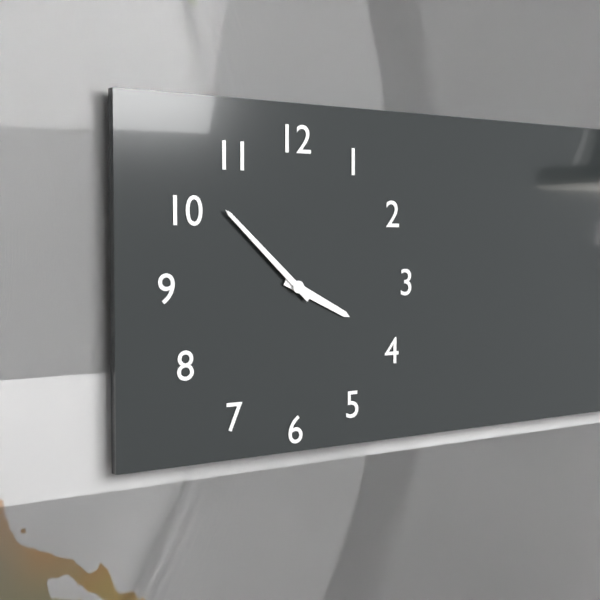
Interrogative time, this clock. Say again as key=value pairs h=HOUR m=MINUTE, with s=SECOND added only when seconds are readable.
h=3 m=52
